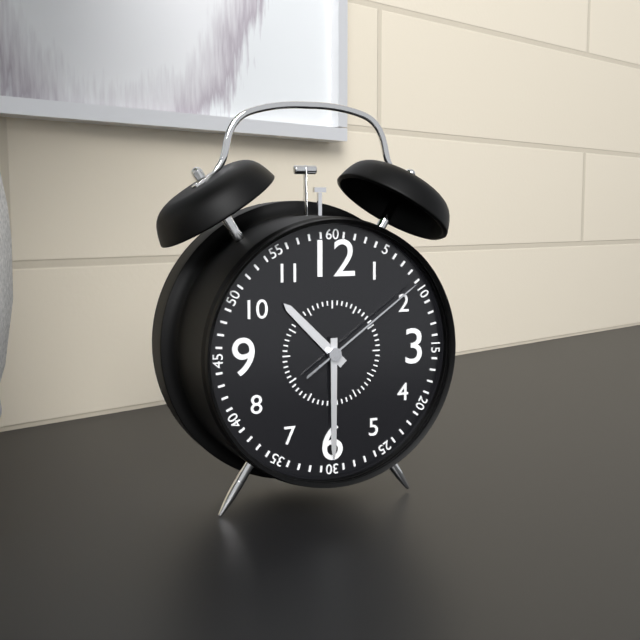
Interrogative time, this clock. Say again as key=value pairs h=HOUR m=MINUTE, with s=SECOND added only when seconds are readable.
h=10 m=30 s=9
